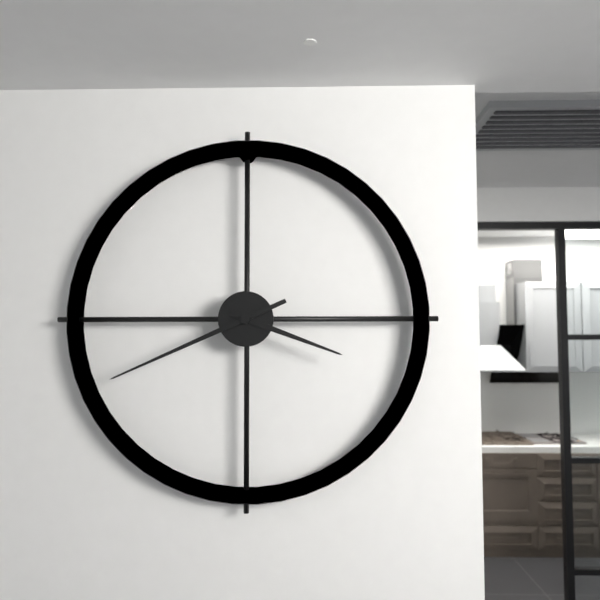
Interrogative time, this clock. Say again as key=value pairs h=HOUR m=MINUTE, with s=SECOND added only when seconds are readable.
h=3 m=41
